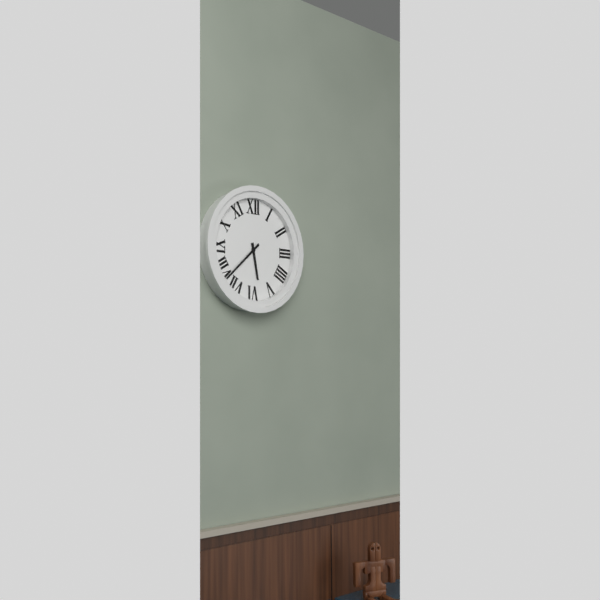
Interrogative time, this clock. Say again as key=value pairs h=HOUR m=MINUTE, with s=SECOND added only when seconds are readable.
h=5 m=38
